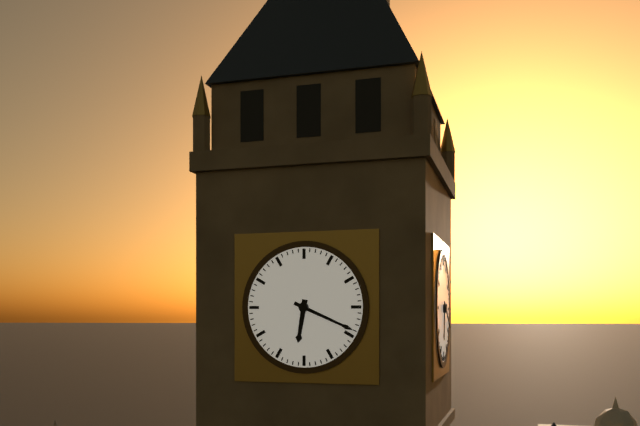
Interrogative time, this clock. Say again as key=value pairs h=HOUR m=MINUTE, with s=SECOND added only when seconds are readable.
h=6 m=19
